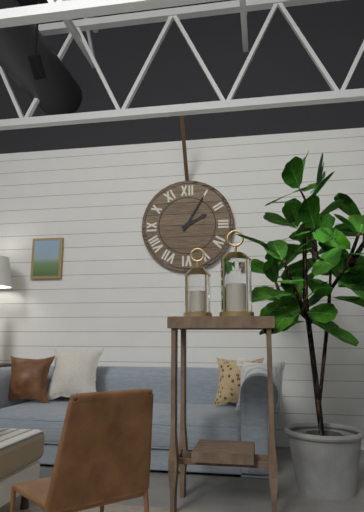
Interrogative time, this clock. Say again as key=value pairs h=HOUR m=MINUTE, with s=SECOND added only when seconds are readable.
h=2 m=5
